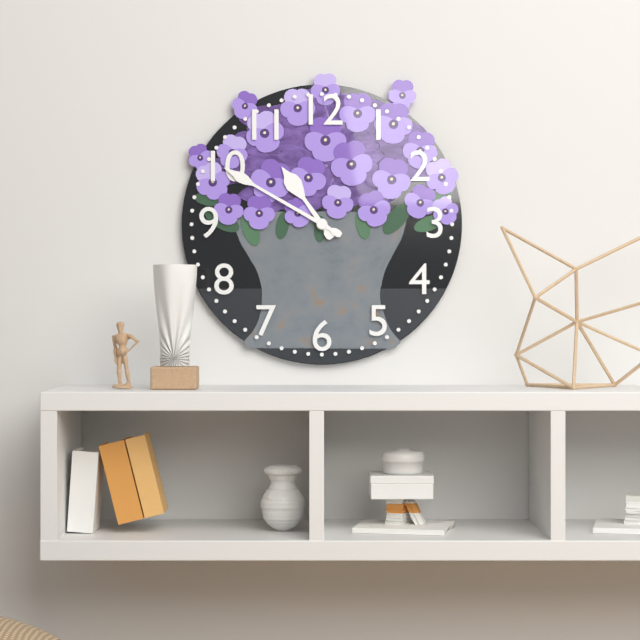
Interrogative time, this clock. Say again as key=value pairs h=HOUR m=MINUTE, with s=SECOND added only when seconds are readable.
h=10 m=50
